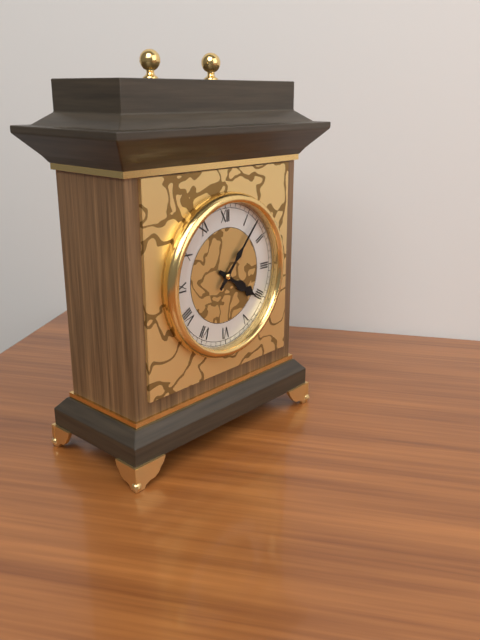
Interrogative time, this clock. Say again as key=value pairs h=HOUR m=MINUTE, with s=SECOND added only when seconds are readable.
h=4 m=7
